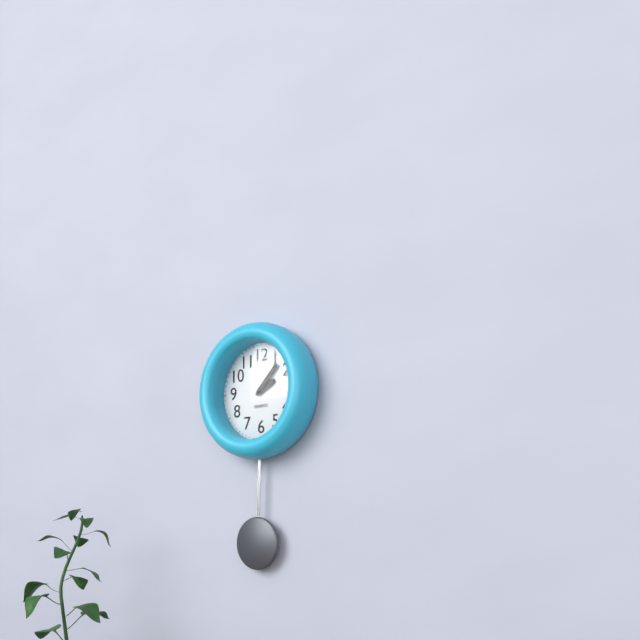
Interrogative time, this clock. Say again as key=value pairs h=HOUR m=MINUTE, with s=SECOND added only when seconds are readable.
h=2 m=7
